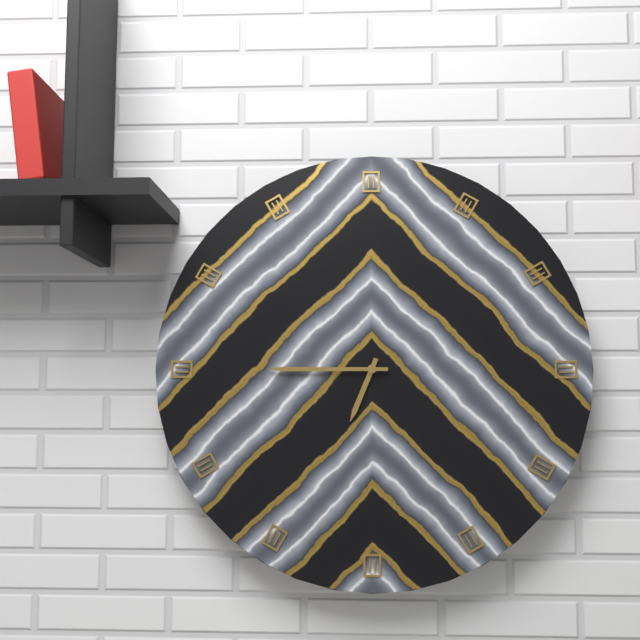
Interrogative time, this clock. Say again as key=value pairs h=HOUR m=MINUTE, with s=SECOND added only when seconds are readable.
h=6 m=45
